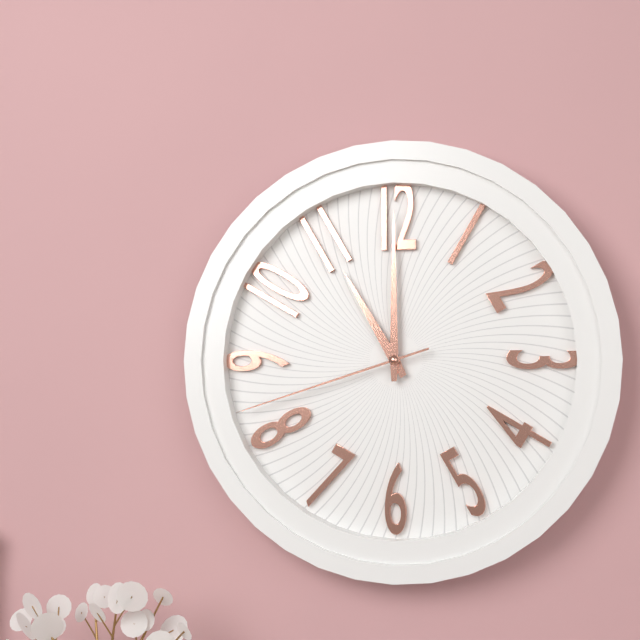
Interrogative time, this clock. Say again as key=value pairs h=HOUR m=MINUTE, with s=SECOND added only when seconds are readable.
h=11 m=0 s=42
